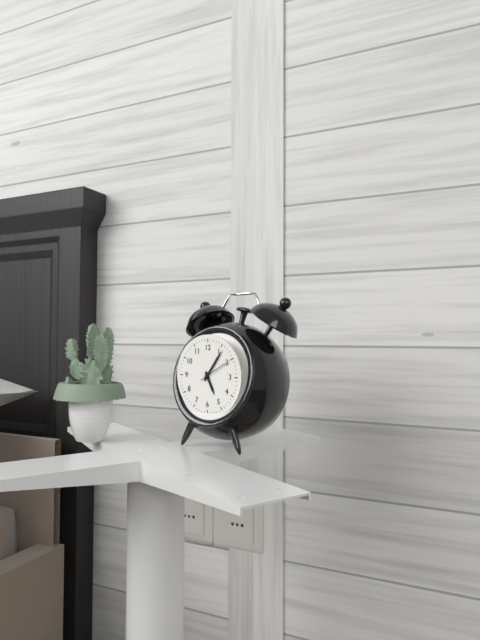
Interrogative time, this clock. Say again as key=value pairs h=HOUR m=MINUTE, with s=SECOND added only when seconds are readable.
h=5 m=6
